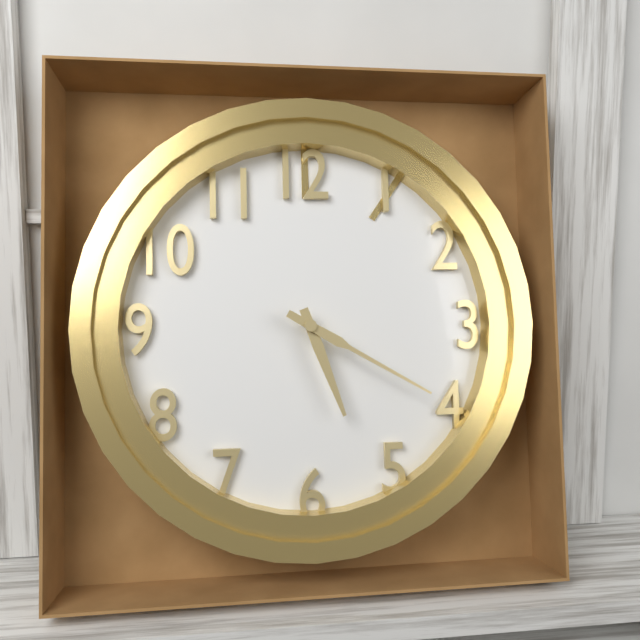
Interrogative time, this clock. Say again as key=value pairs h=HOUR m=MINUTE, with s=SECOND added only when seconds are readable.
h=5 m=20
